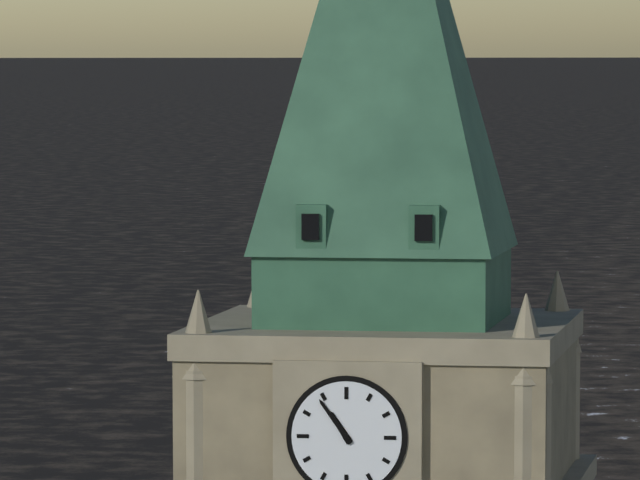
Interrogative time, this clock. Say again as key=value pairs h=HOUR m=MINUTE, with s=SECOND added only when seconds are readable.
h=10 m=54
